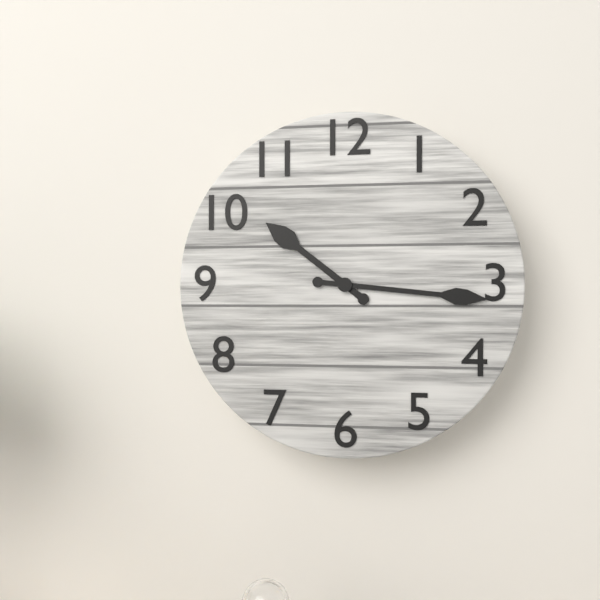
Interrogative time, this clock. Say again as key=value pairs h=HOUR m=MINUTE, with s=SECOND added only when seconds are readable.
h=10 m=16
